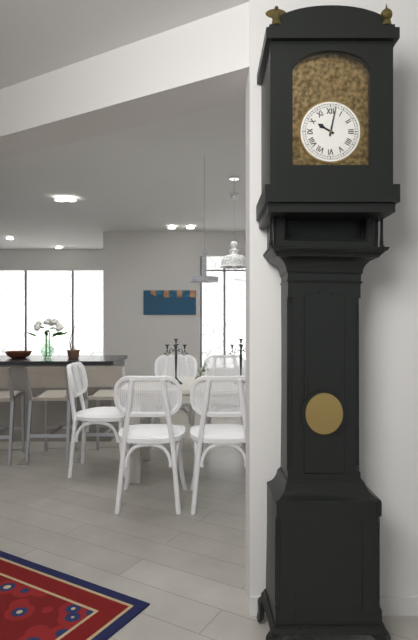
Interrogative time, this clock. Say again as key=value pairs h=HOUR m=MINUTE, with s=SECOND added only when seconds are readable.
h=10 m=2
